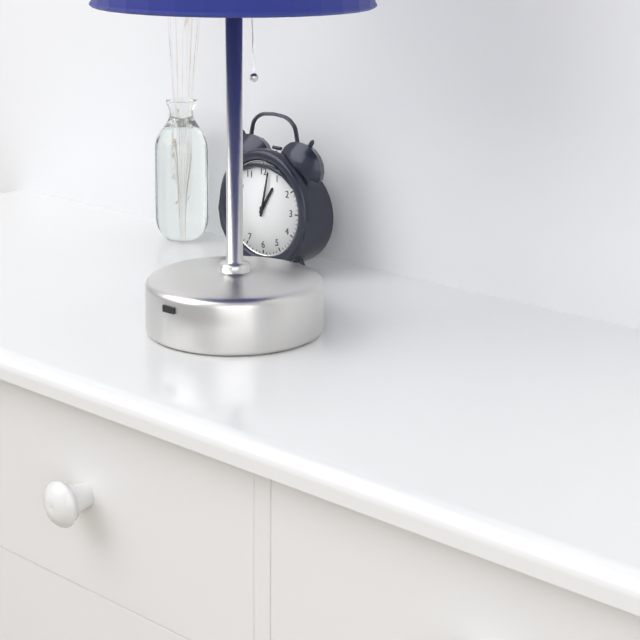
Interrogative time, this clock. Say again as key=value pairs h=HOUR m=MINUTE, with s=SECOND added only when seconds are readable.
h=1 m=2
